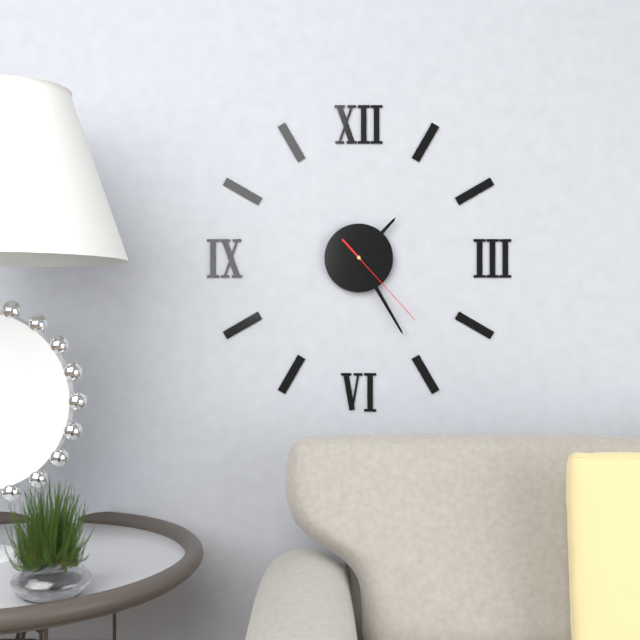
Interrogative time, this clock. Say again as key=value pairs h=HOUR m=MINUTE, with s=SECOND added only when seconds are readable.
h=1 m=25 s=23
